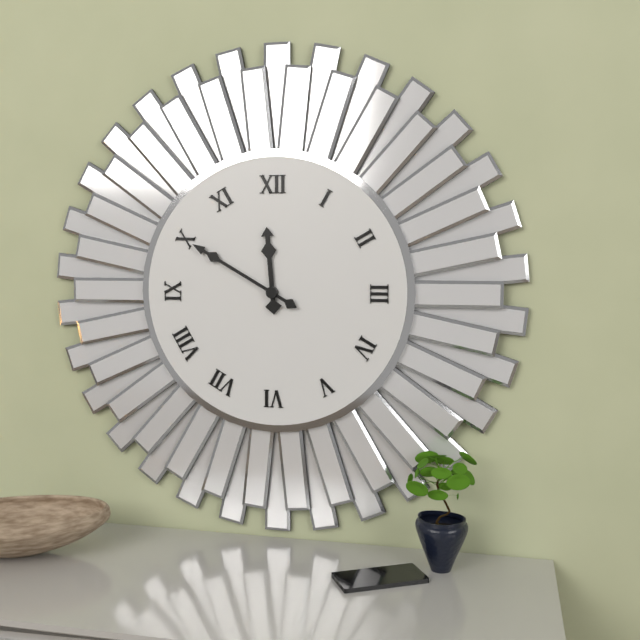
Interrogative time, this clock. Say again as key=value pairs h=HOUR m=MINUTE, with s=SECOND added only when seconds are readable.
h=11 m=50
